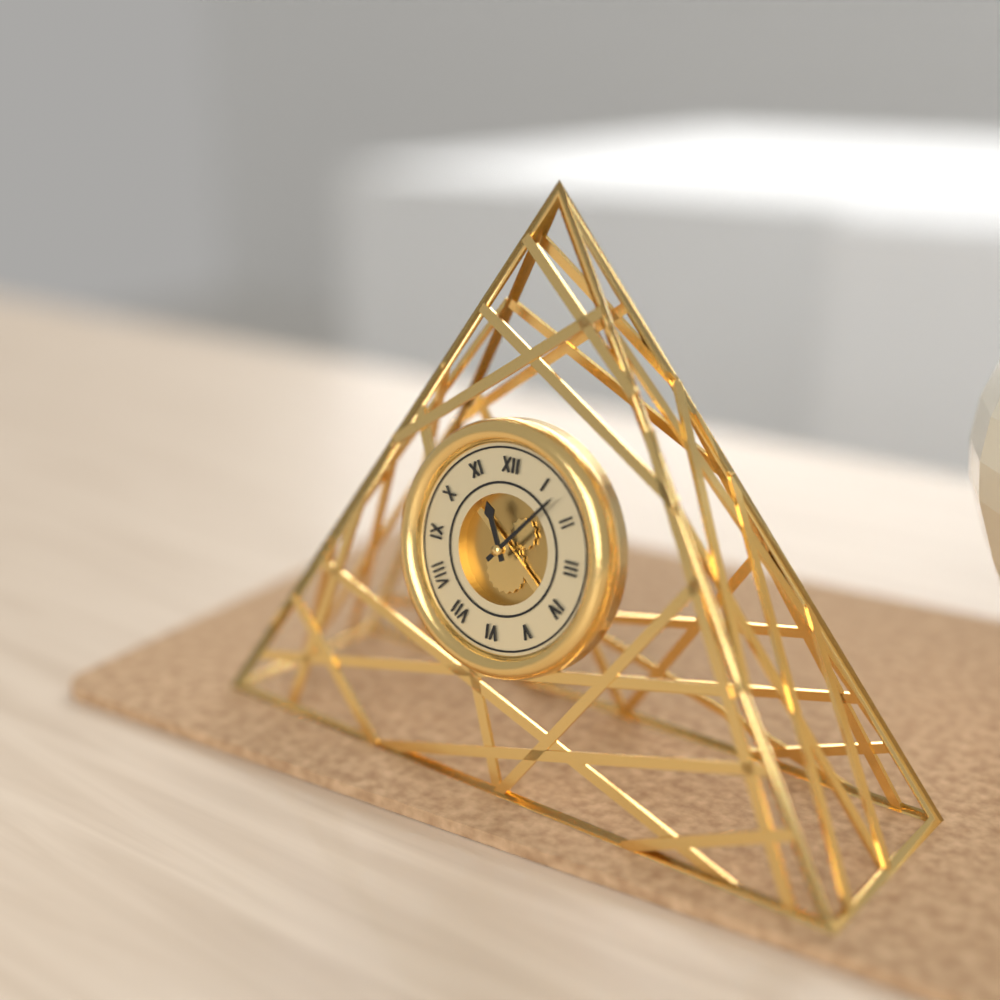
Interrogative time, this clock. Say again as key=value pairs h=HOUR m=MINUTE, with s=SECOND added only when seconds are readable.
h=11 m=7
